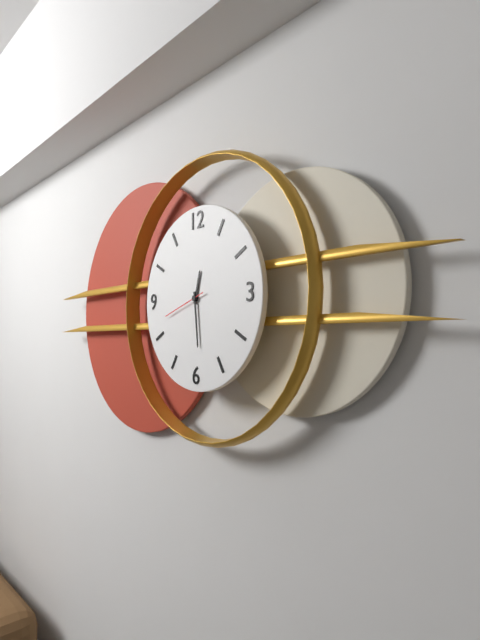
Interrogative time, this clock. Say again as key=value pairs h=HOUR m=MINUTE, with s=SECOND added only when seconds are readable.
h=12 m=29
